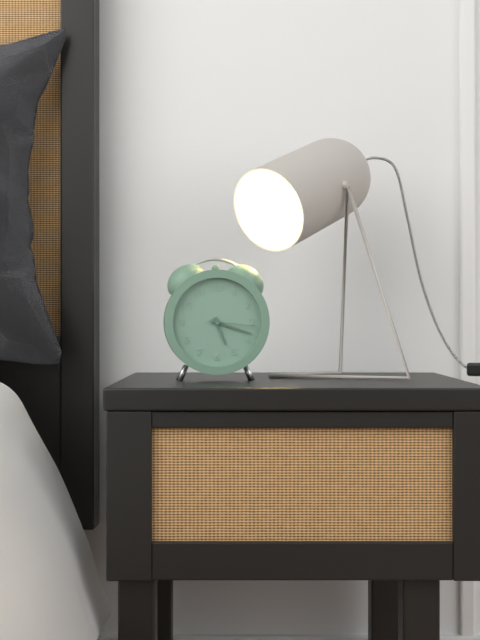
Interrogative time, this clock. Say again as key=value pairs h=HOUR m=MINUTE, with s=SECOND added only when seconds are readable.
h=5 m=18
